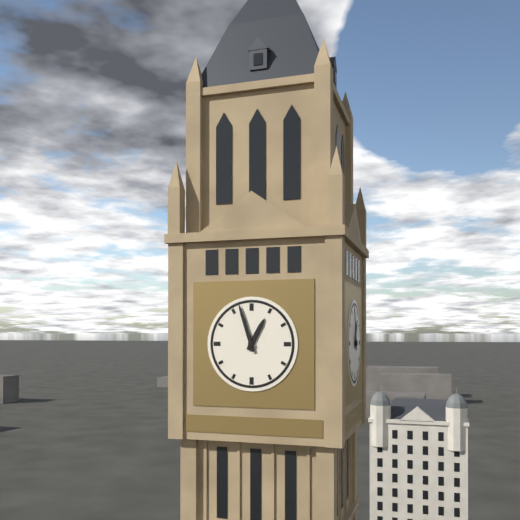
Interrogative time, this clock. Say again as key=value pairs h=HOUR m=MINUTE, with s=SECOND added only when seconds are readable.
h=12 m=57
